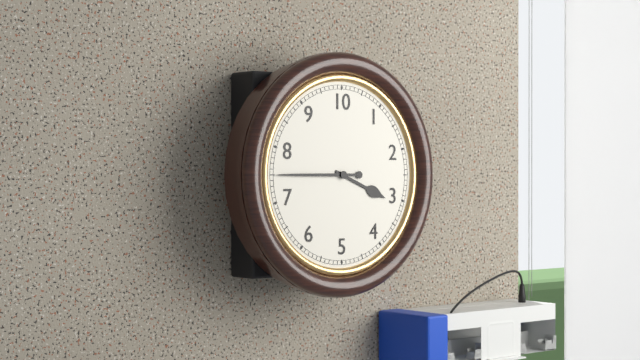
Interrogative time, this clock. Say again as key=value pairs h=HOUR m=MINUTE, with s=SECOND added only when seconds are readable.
h=3 m=45
